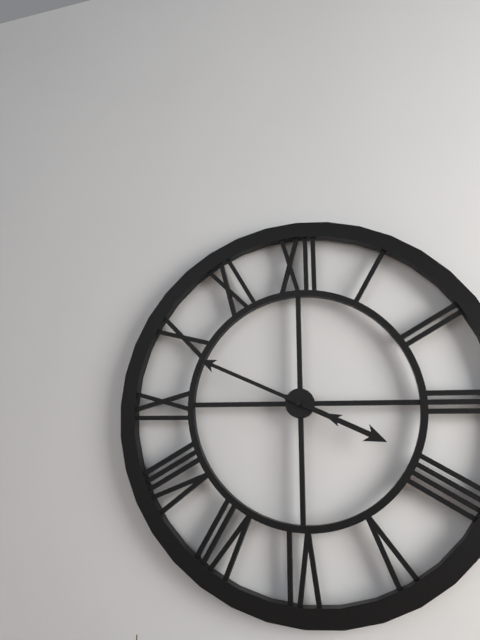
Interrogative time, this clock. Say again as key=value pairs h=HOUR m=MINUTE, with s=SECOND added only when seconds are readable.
h=3 m=49
